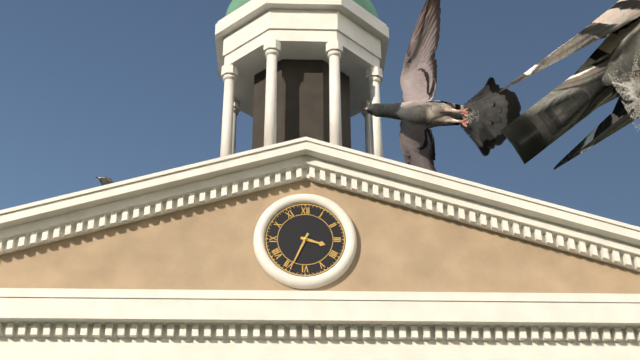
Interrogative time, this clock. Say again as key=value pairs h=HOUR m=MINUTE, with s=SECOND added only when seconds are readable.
h=3 m=34
